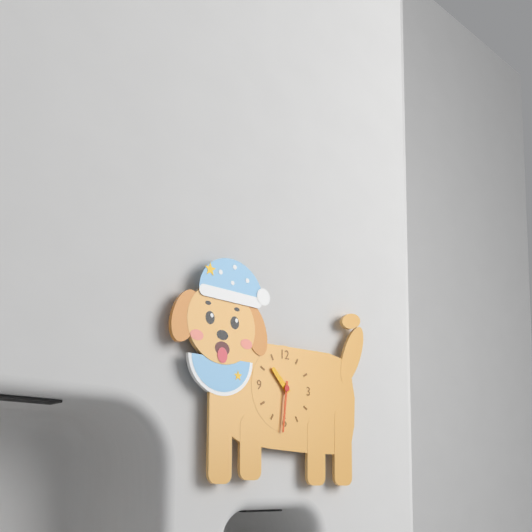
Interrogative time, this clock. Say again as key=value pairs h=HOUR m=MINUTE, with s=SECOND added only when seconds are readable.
h=10 m=31
